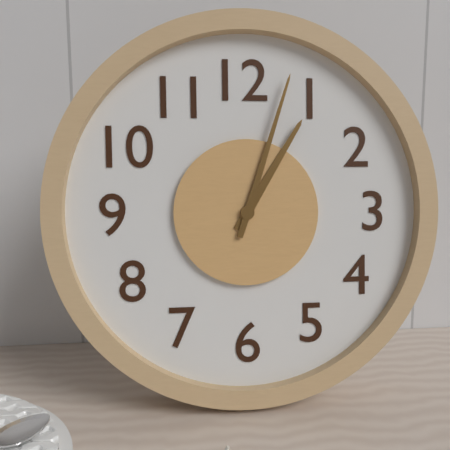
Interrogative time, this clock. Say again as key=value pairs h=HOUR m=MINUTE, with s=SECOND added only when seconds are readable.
h=1 m=3
